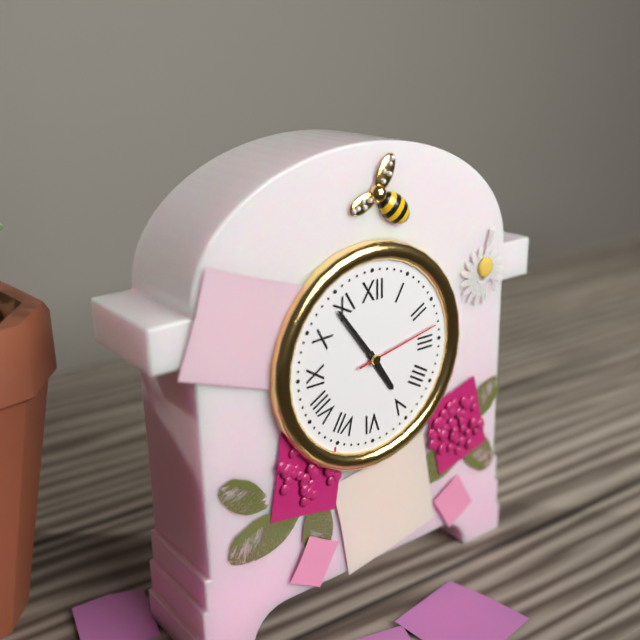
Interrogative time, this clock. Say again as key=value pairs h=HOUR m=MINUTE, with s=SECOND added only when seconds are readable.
h=4 m=54 s=13
